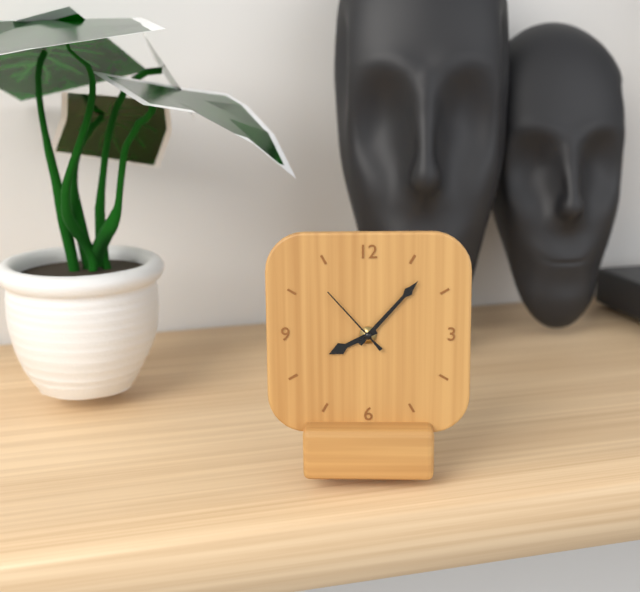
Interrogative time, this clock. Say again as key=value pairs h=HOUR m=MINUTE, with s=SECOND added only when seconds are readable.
h=8 m=7 s=53
